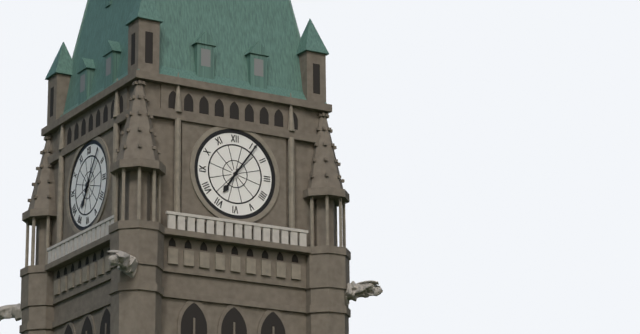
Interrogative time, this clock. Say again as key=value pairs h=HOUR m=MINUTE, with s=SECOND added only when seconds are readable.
h=7 m=6
